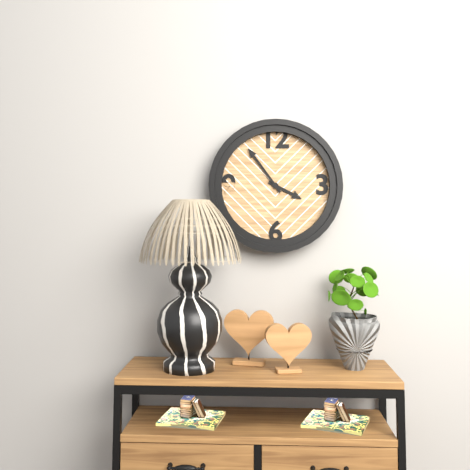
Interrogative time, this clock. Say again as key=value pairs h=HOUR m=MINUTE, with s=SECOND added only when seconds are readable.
h=3 m=54
